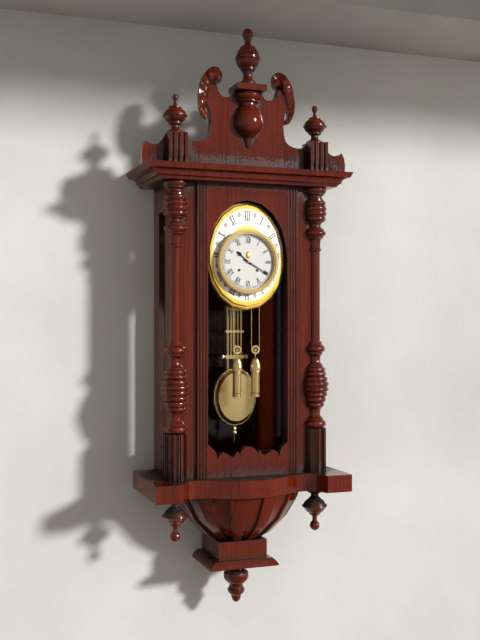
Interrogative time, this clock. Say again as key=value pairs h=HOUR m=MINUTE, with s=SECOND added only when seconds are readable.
h=10 m=20
